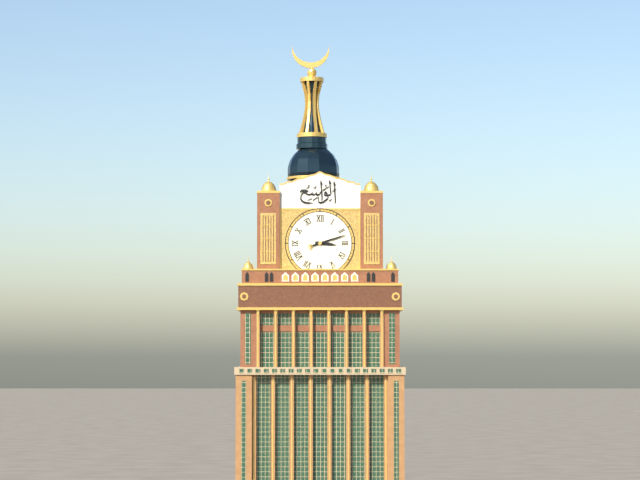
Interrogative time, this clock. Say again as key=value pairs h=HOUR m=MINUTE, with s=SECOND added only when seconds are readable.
h=3 m=12
